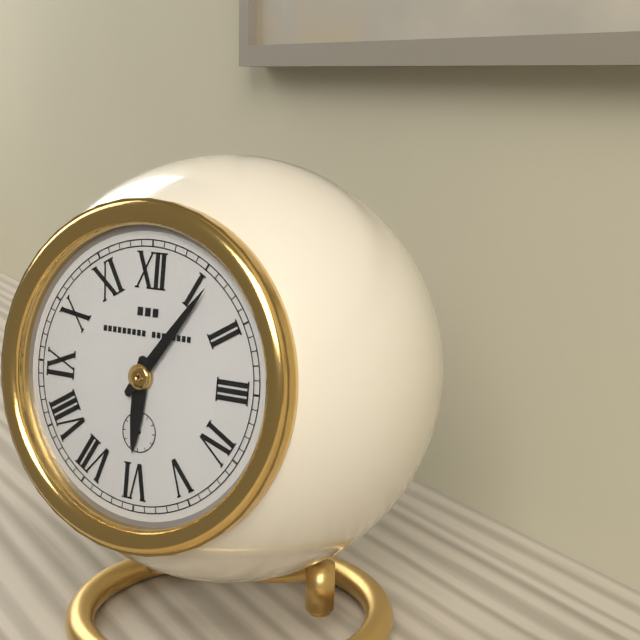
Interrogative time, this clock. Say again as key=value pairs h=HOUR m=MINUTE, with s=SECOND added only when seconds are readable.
h=6 m=6
